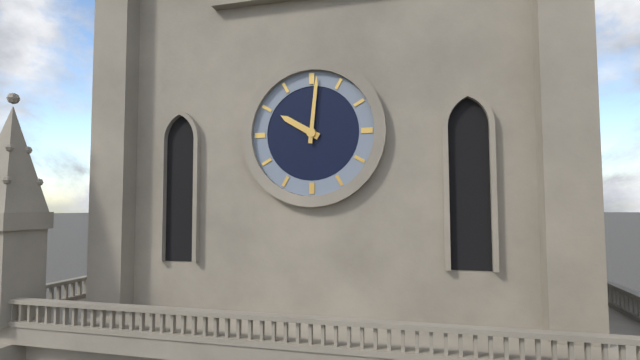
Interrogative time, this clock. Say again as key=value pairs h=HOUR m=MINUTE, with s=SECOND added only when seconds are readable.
h=10 m=1
